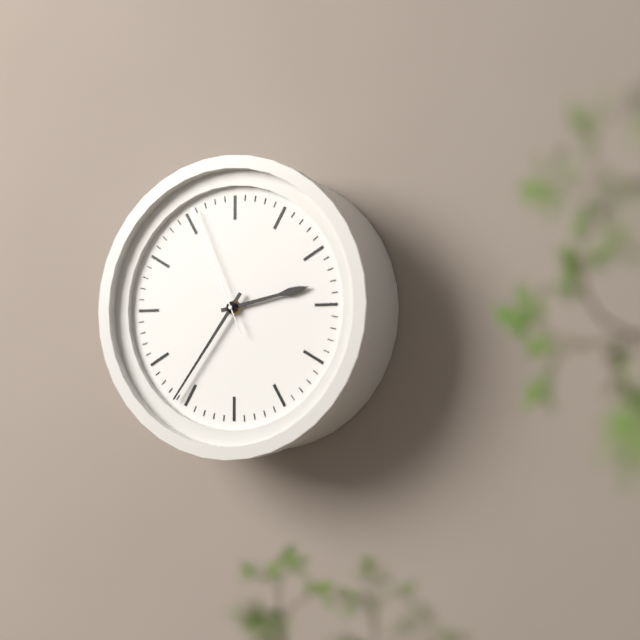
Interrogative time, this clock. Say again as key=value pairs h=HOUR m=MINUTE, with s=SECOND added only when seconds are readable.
h=2 m=36 s=56
